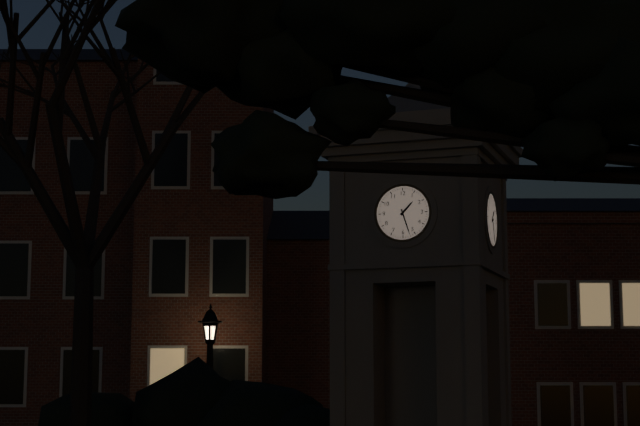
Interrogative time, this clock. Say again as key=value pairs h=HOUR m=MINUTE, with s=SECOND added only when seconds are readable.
h=1 m=27
